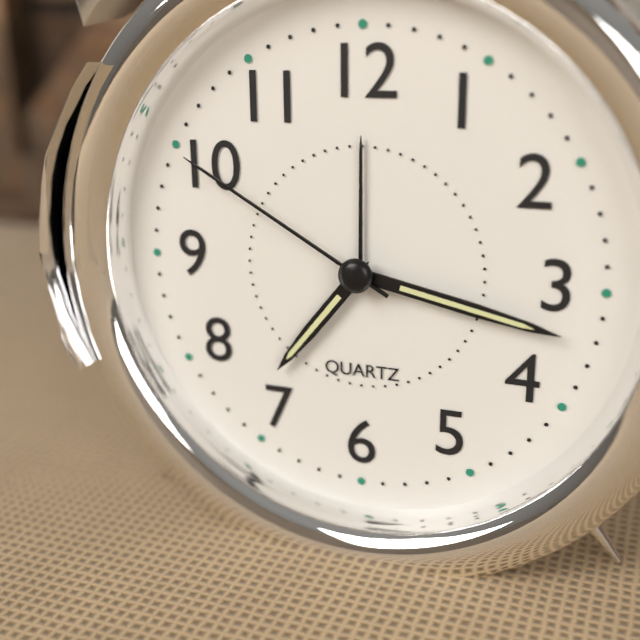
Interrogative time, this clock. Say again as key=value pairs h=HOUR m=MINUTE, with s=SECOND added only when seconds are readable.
h=7 m=17 s=50
